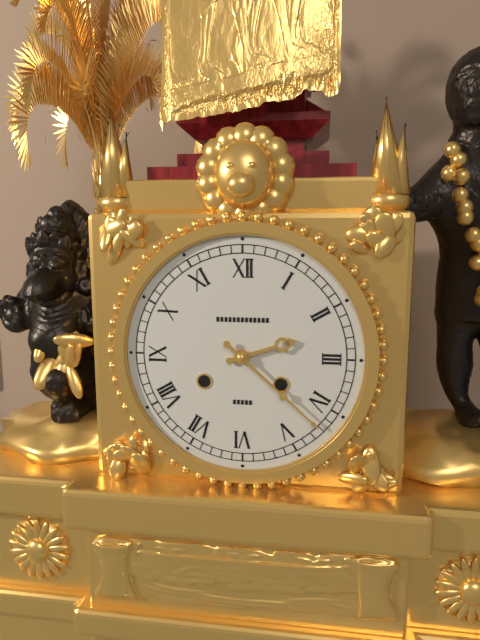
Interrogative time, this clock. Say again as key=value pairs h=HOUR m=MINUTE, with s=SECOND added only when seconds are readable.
h=2 m=22
